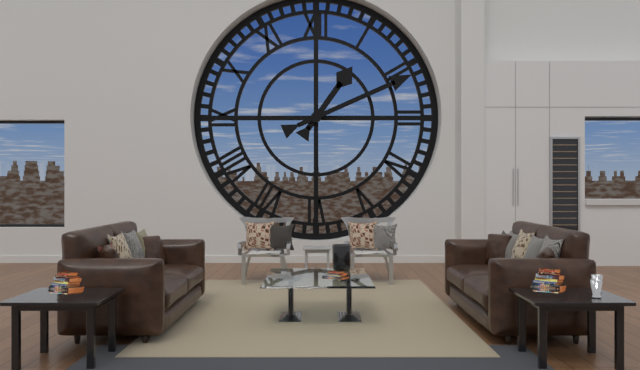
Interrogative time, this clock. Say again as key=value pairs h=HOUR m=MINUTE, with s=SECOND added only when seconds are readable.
h=1 m=11
